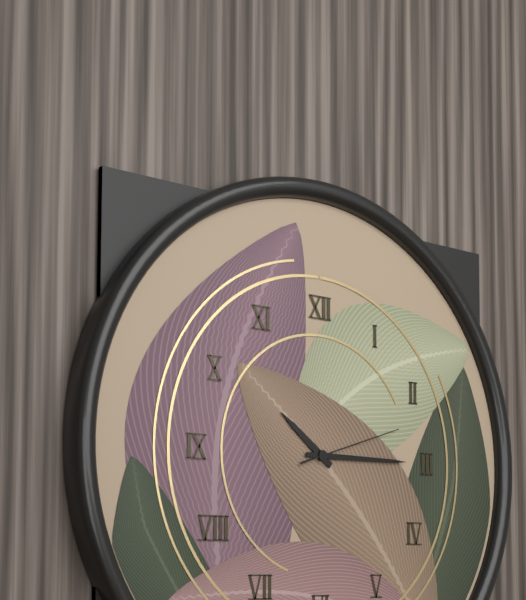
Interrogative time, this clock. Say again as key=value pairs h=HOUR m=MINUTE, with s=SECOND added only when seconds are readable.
h=10 m=15 s=12
